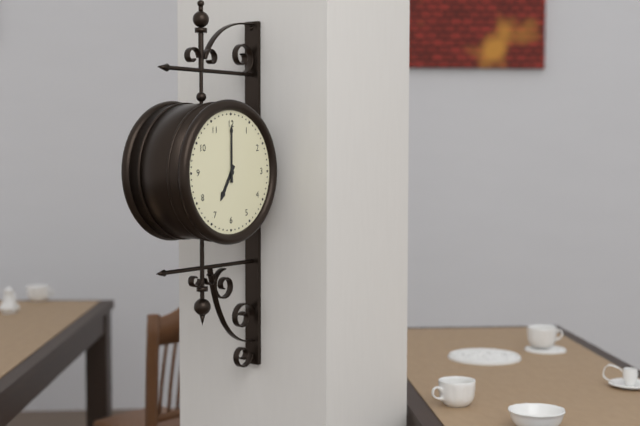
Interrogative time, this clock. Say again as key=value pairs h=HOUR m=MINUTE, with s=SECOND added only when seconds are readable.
h=7 m=0
